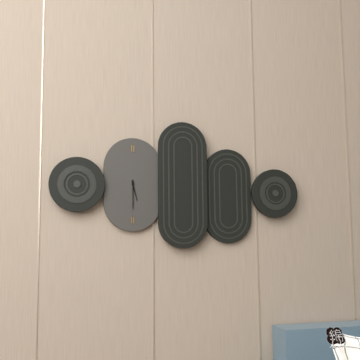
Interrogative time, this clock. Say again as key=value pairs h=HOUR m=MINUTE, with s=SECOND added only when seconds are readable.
h=5 m=30
